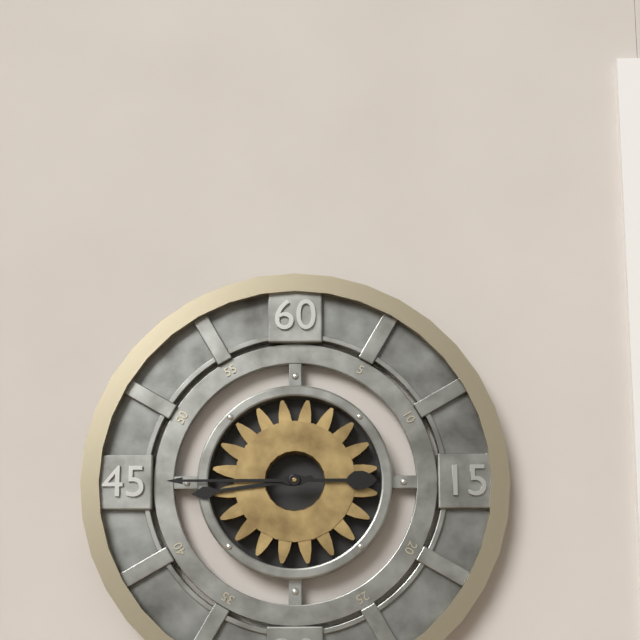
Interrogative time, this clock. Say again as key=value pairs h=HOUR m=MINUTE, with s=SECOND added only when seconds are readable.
h=8 m=45
